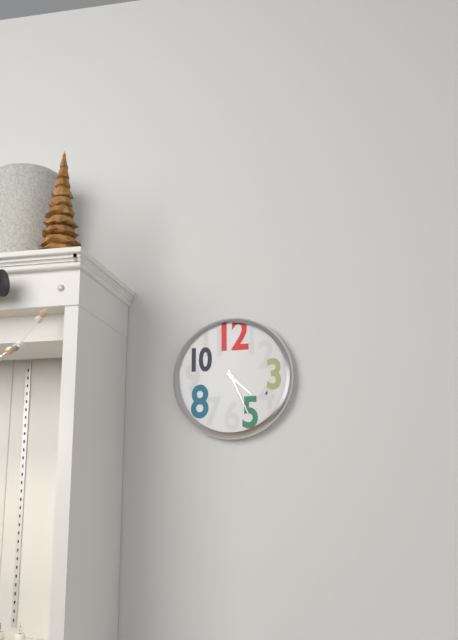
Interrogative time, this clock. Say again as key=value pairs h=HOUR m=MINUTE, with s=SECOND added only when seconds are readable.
h=4 m=26
